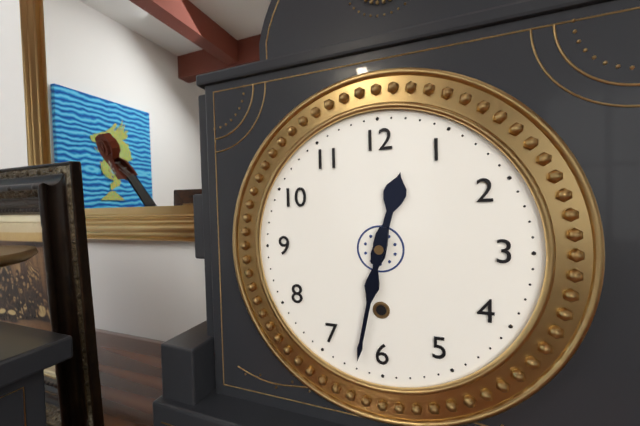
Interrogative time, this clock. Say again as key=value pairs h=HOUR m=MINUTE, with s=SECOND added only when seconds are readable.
h=12 m=32
